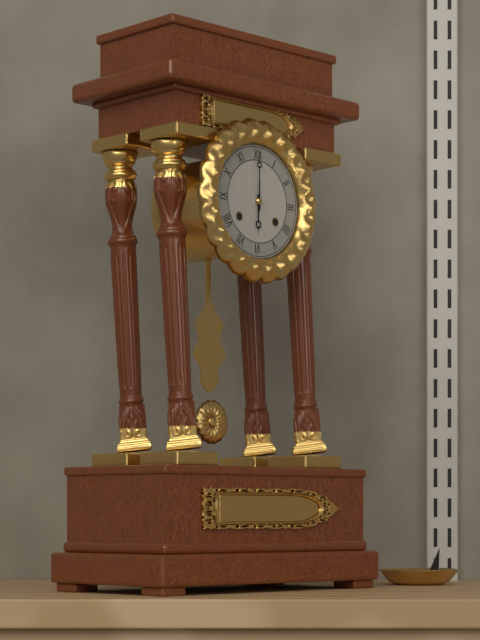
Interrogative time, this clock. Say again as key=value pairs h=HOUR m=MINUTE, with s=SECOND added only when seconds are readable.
h=6 m=0
